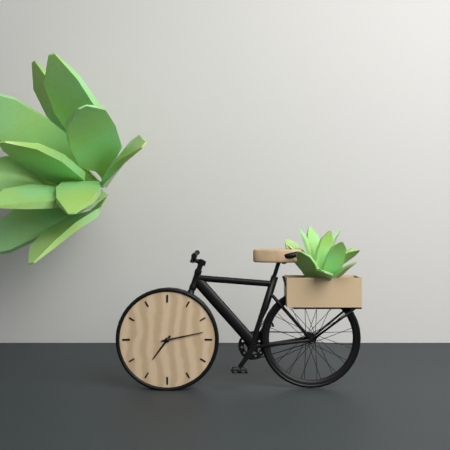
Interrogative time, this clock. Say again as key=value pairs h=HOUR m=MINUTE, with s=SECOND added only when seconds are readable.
h=7 m=13
